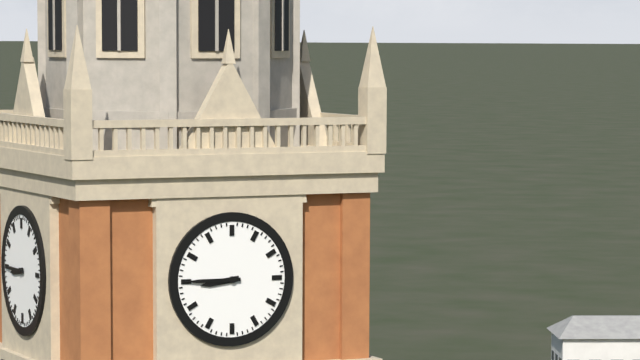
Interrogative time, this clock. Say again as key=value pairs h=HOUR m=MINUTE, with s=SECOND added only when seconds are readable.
h=8 m=45
